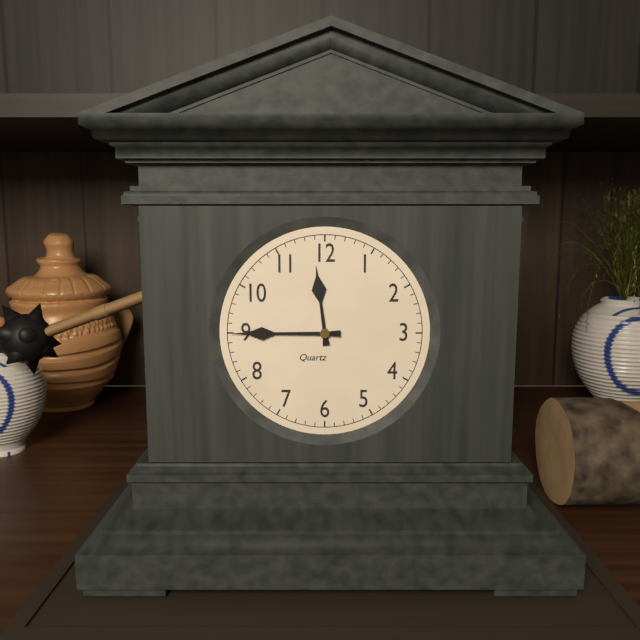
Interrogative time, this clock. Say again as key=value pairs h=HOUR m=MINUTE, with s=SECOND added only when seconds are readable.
h=11 m=45
